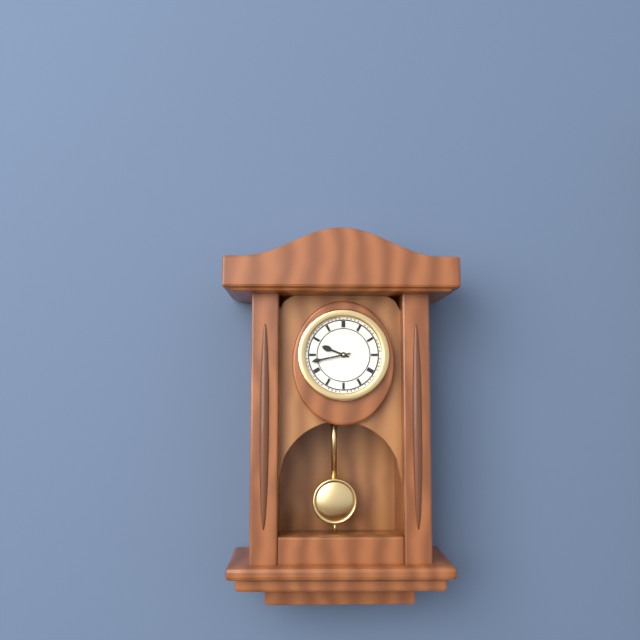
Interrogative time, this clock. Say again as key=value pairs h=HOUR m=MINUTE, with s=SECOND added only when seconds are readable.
h=9 m=43
